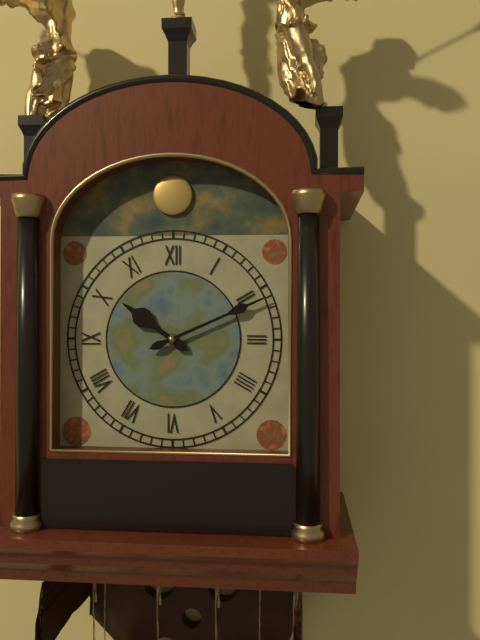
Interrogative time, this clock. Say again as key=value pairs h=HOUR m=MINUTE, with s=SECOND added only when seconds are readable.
h=10 m=11
